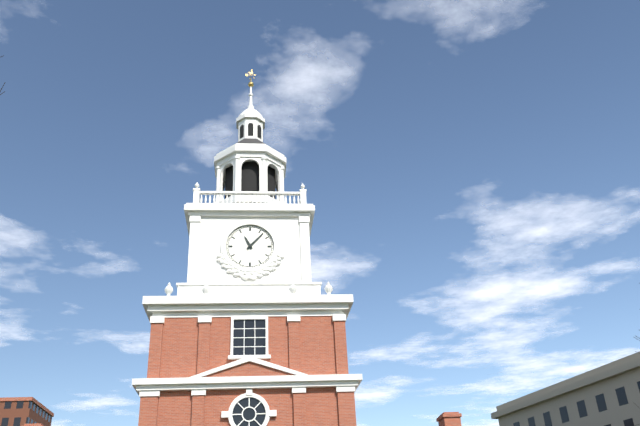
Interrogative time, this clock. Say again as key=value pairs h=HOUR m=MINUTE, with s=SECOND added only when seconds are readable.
h=11 m=7
